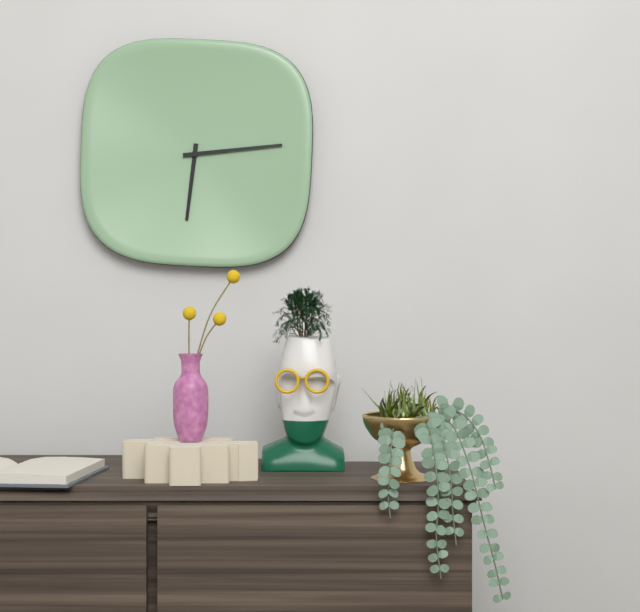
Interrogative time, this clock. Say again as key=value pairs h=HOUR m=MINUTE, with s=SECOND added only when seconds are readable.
h=6 m=14
